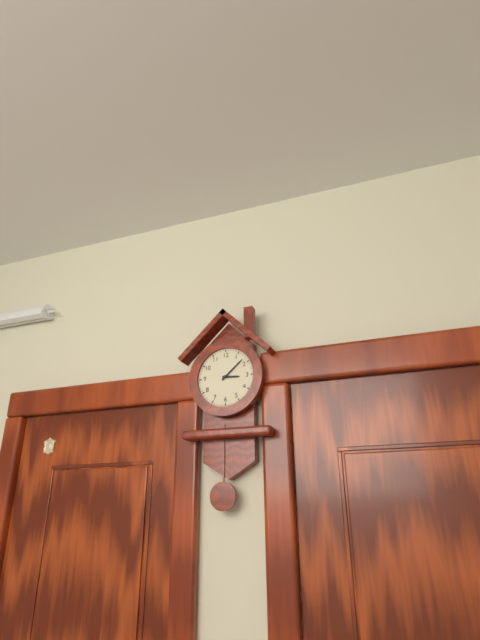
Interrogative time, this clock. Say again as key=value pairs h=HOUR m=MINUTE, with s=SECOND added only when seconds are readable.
h=3 m=8
